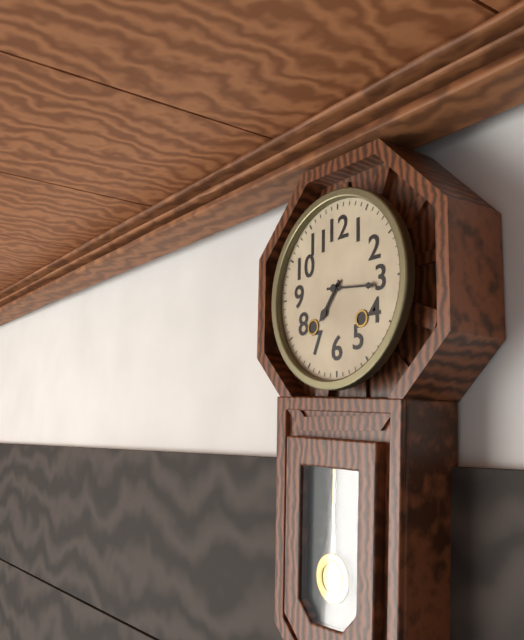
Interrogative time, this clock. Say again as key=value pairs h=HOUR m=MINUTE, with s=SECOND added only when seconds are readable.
h=7 m=16
